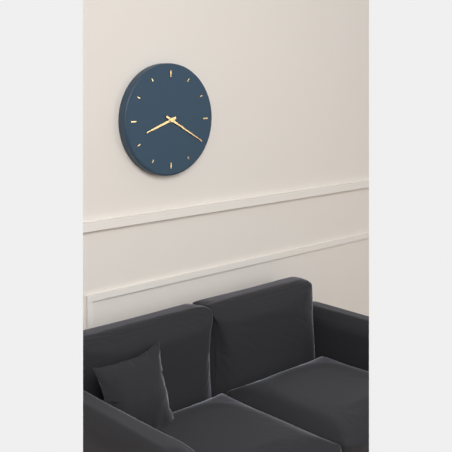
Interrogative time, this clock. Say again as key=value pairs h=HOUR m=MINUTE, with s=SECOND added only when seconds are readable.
h=8 m=20
